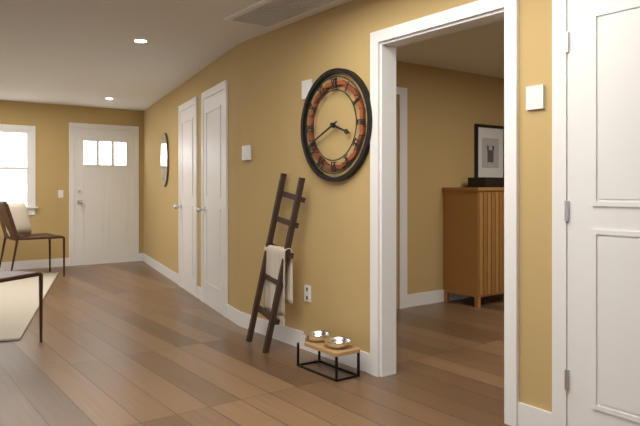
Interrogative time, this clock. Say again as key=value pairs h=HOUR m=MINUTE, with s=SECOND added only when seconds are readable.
h=3 m=41
